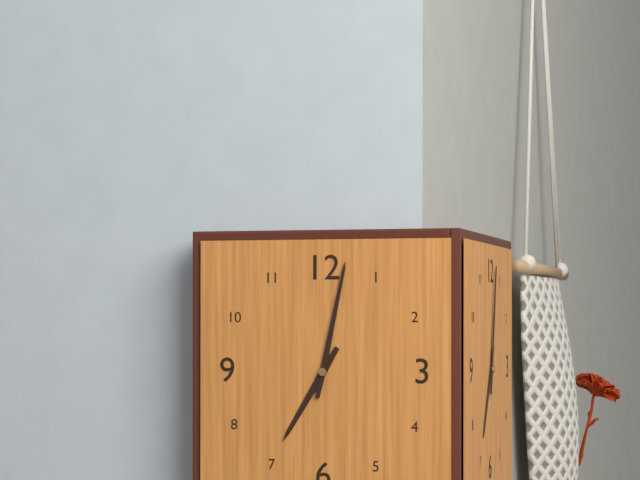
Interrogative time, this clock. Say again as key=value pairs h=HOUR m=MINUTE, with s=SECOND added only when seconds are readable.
h=7 m=2
